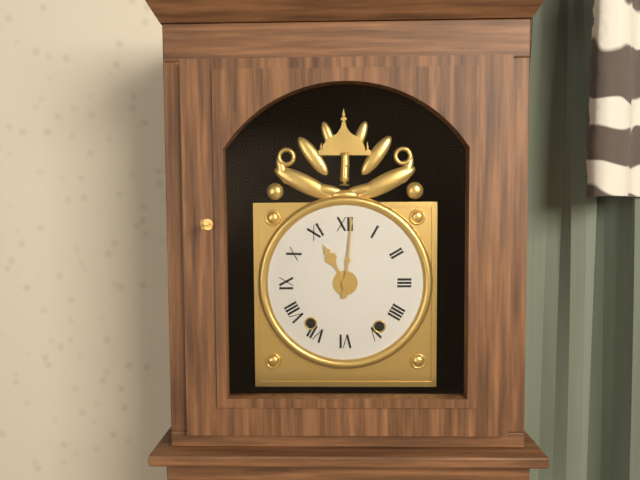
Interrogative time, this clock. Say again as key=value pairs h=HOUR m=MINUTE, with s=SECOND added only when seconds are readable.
h=11 m=1
